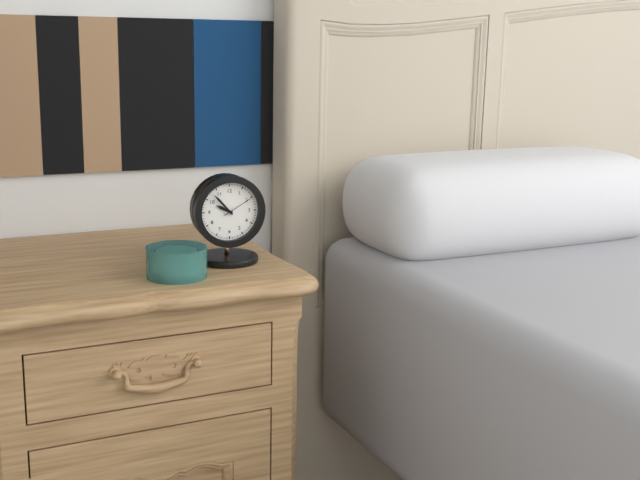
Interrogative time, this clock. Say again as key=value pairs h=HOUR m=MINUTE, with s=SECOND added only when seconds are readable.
h=9 m=53
